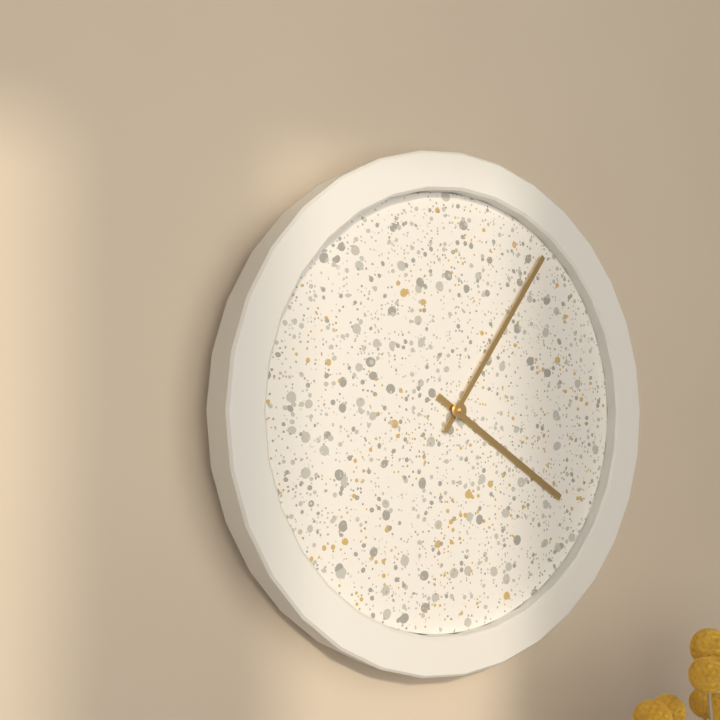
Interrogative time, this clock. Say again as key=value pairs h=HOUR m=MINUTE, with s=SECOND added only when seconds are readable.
h=4 m=6
